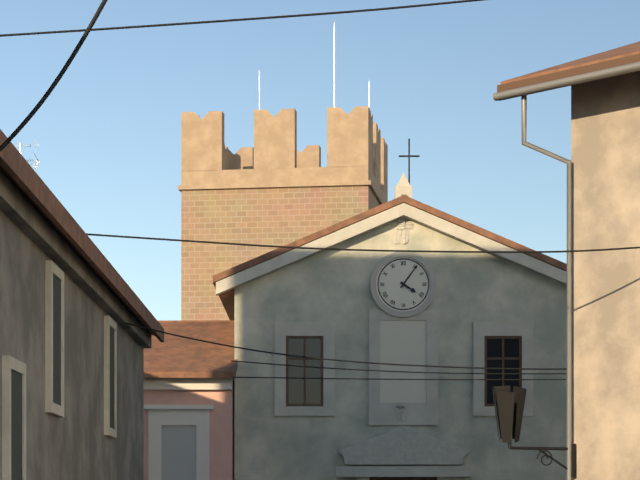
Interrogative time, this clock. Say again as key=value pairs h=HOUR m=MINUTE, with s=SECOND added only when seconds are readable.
h=4 m=6
